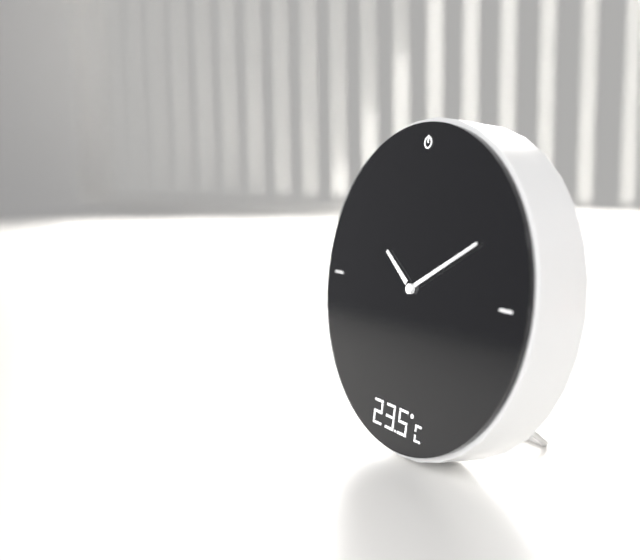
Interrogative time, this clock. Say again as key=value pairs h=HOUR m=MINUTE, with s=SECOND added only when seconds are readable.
h=10 m=10
